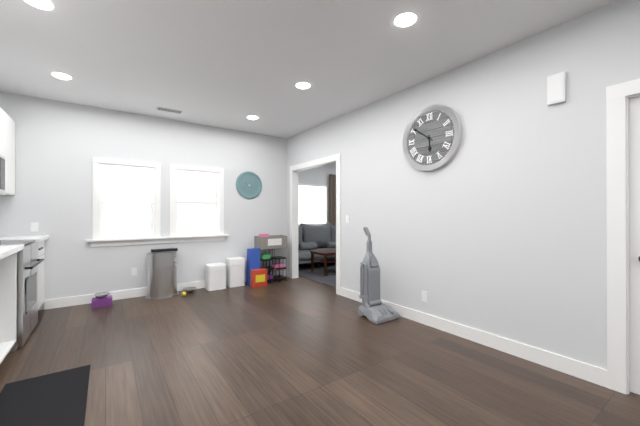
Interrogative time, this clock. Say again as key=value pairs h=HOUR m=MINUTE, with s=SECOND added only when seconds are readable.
h=5 m=51
